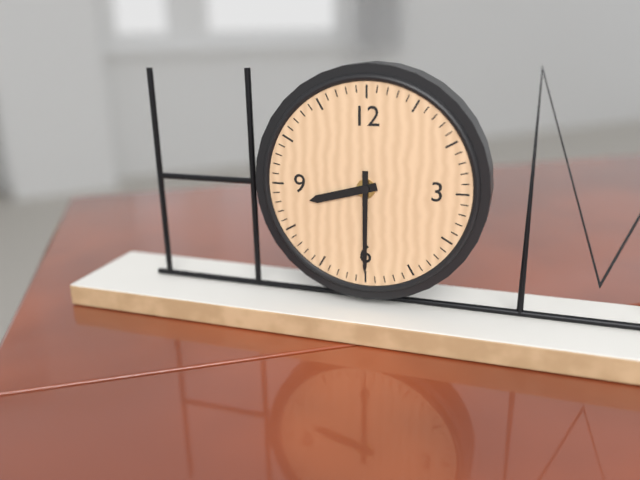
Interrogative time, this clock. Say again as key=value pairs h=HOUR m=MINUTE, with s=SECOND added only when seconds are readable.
h=8 m=30
